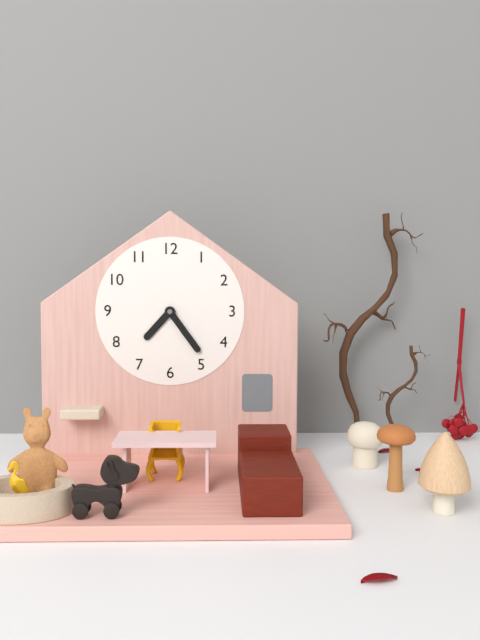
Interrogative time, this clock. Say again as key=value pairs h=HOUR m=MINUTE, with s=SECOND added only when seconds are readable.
h=7 m=24
